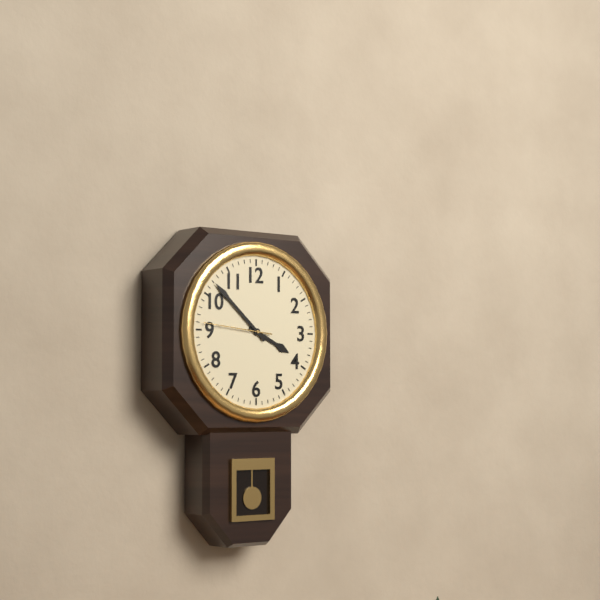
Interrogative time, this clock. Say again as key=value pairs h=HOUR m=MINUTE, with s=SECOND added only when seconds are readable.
h=3 m=52 s=46
